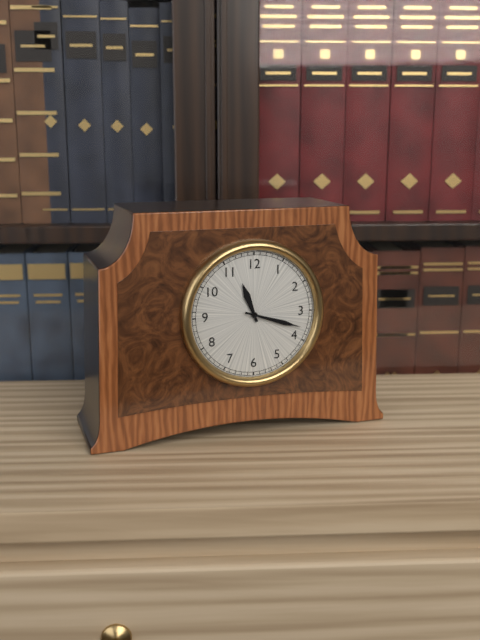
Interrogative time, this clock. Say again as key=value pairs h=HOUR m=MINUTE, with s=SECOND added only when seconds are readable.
h=11 m=18
